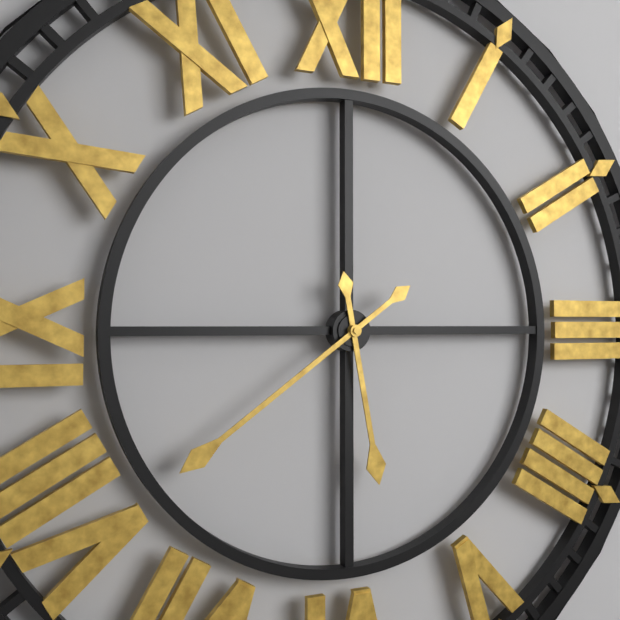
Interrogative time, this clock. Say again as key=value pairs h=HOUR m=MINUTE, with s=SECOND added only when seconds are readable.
h=5 m=39
